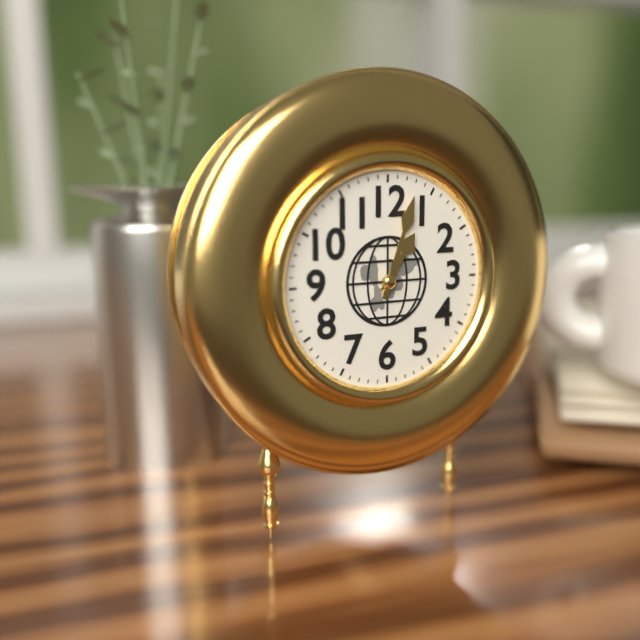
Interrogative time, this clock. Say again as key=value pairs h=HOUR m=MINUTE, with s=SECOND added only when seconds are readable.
h=1 m=3
